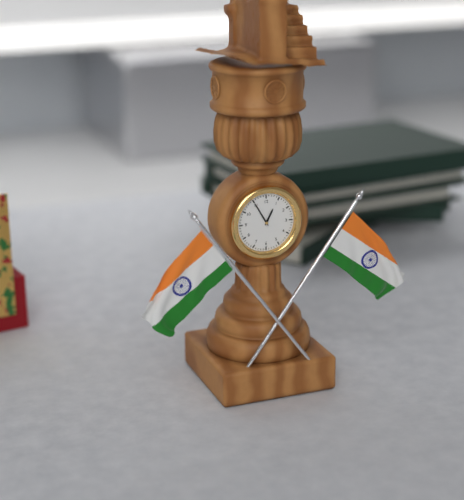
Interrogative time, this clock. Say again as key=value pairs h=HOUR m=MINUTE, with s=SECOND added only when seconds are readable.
h=12 m=55
